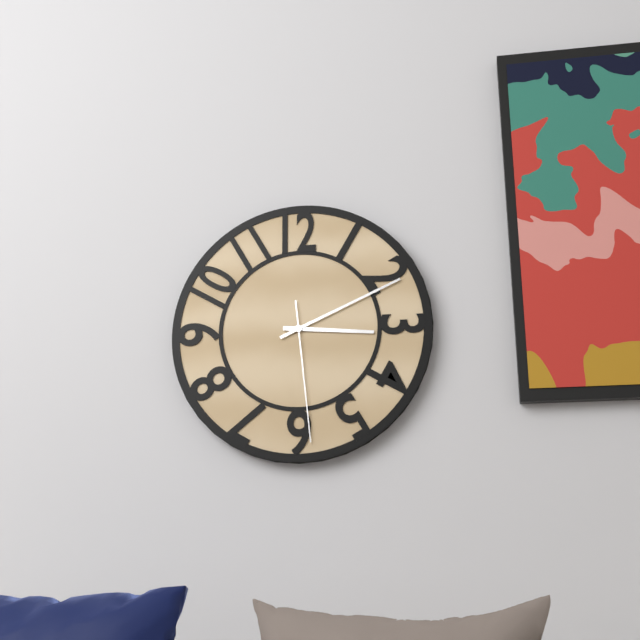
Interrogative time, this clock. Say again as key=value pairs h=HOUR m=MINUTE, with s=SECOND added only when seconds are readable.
h=3 m=11 s=29
